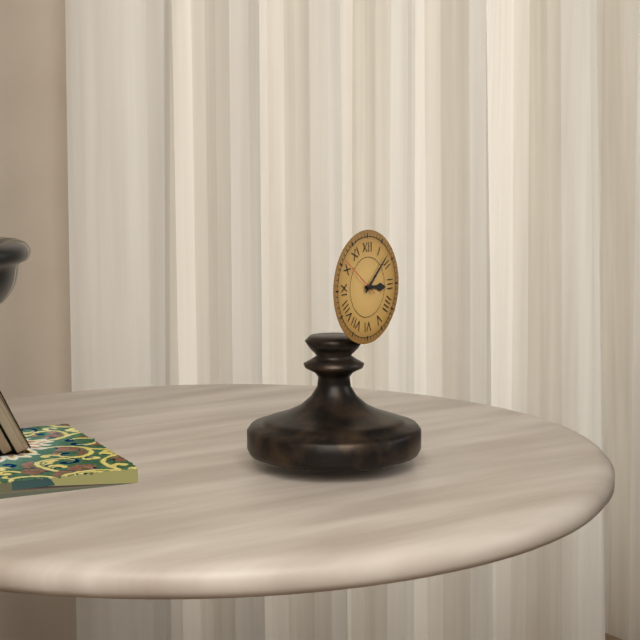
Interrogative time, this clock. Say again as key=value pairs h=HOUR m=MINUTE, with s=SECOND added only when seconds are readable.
h=3 m=8
